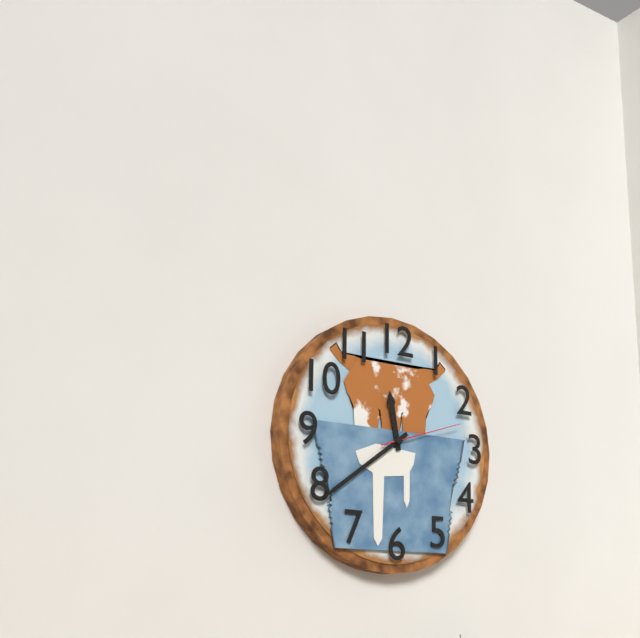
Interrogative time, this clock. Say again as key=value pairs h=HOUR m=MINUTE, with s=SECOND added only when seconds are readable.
h=11 m=39 s=12
